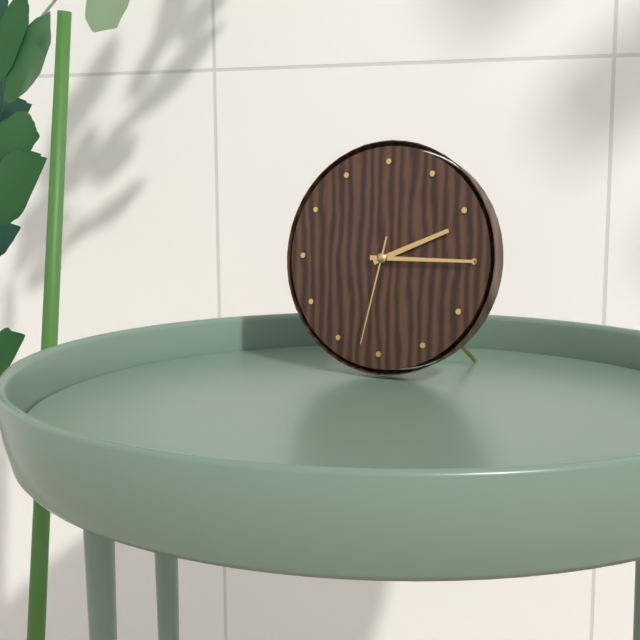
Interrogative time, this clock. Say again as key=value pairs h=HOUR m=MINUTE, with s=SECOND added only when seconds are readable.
h=2 m=15 s=32
